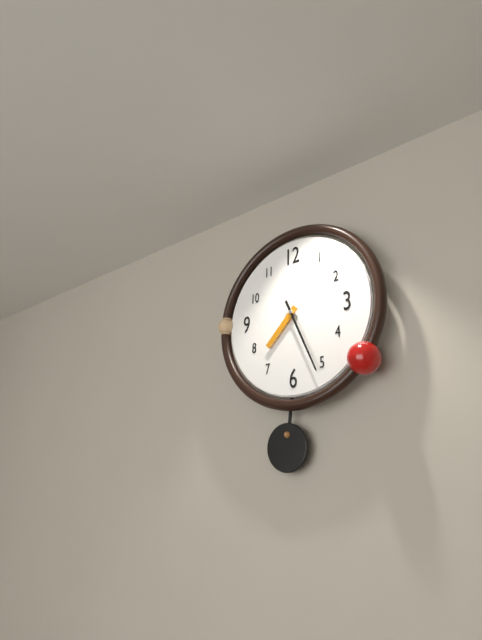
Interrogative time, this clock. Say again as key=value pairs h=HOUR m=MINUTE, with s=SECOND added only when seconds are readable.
h=7 m=26
